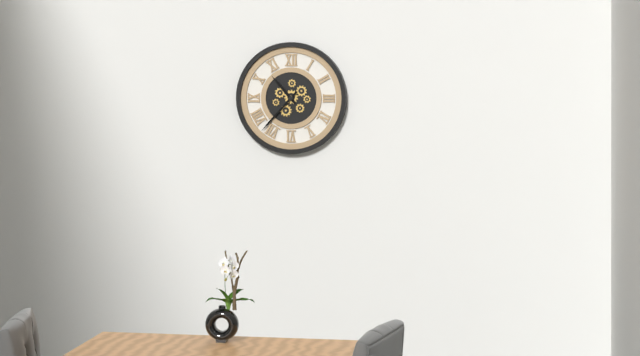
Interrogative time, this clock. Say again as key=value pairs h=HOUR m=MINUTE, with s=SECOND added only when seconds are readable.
h=10 m=37
